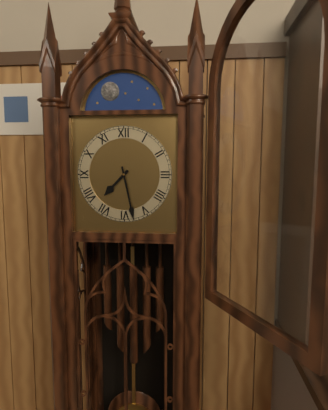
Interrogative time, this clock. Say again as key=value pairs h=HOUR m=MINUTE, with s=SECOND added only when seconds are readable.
h=7 m=28
